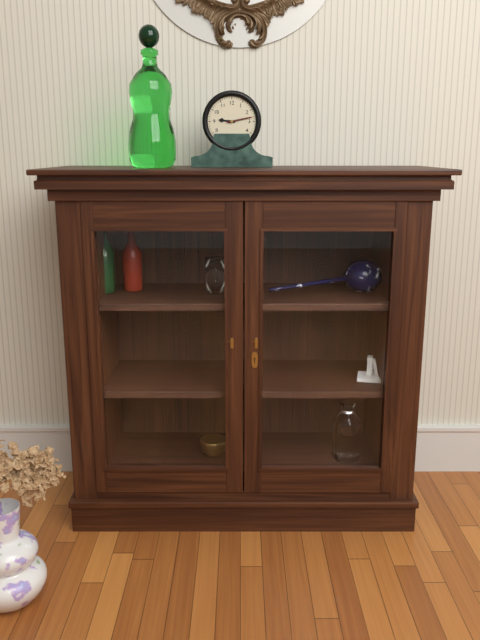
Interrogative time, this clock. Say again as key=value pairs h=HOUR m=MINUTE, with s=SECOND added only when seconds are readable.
h=9 m=13
